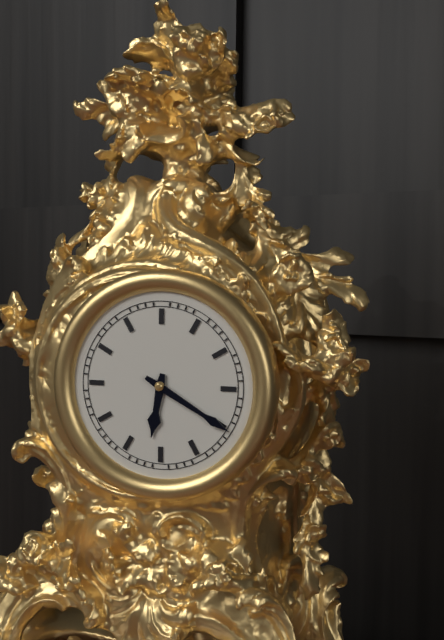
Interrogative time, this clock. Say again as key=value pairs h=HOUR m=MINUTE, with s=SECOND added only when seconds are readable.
h=6 m=20
